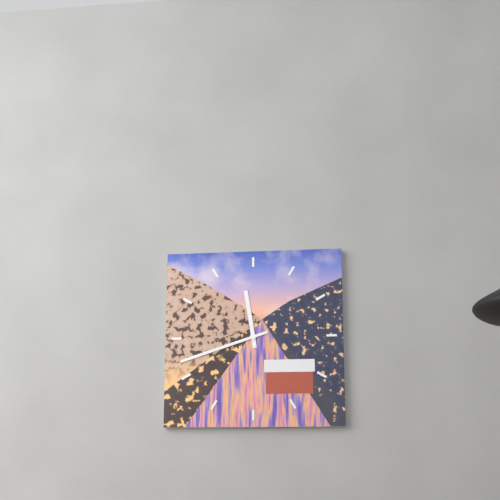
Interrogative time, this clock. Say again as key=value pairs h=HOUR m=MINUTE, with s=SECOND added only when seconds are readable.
h=11 m=42
